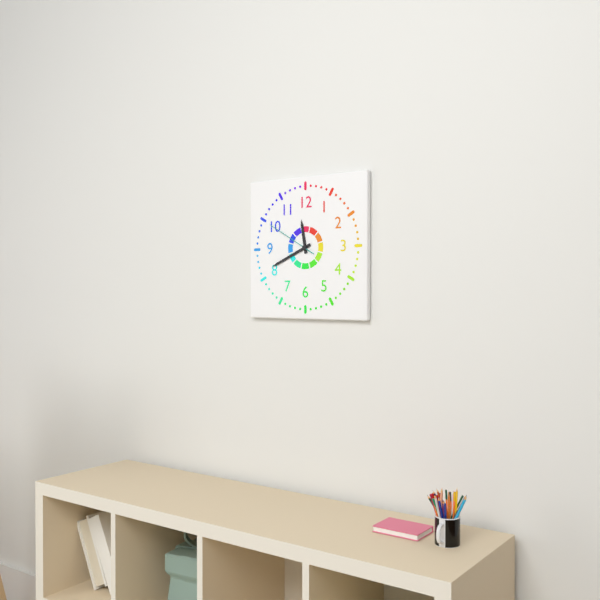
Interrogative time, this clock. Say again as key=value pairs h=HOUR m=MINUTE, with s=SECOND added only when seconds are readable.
h=11 m=41 s=50
